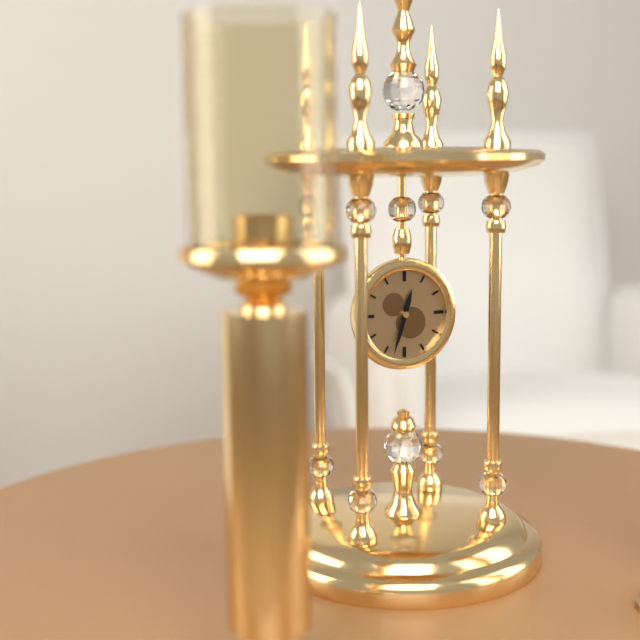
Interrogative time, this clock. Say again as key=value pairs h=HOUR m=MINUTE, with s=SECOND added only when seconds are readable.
h=12 m=33
